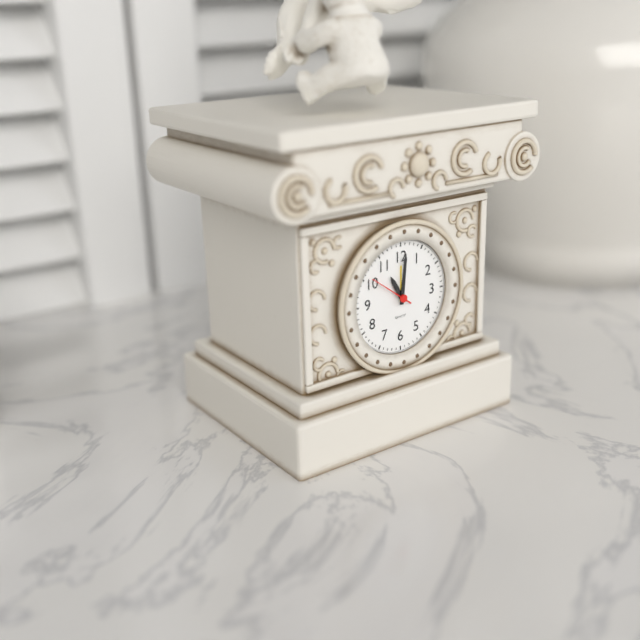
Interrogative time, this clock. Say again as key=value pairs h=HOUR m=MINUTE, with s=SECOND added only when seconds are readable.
h=11 m=1
